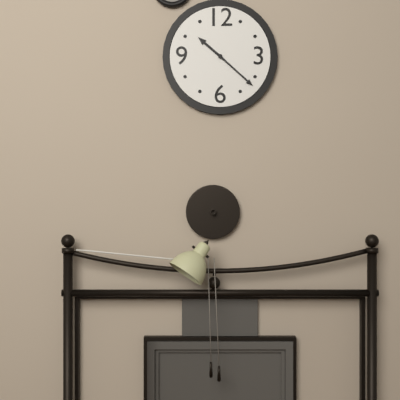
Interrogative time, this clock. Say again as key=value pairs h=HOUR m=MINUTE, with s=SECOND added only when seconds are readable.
h=10 m=22
